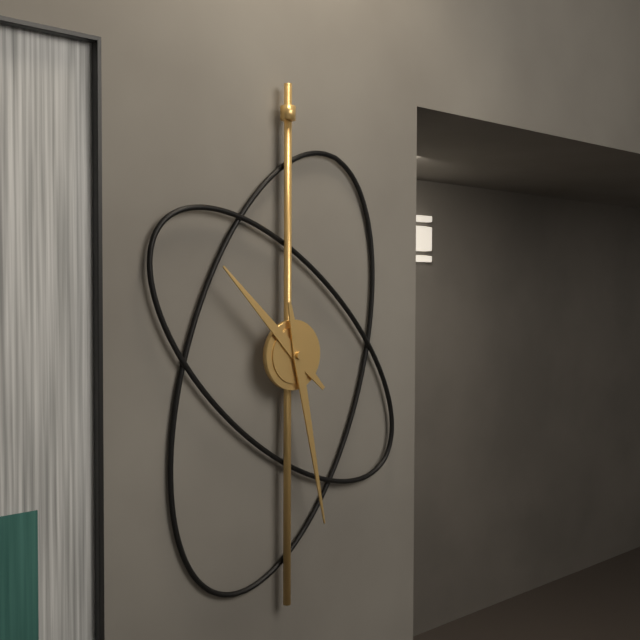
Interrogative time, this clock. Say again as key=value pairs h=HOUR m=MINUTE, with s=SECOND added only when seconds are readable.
h=10 m=28
